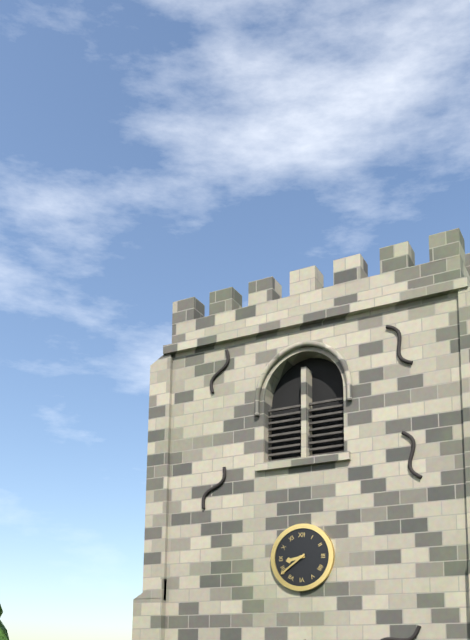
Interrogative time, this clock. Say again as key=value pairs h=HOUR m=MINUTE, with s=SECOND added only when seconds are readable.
h=8 m=39
